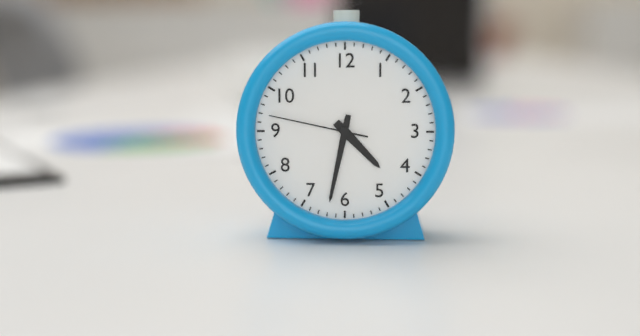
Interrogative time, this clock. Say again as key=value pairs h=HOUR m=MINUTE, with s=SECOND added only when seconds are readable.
h=4 m=32 s=47
